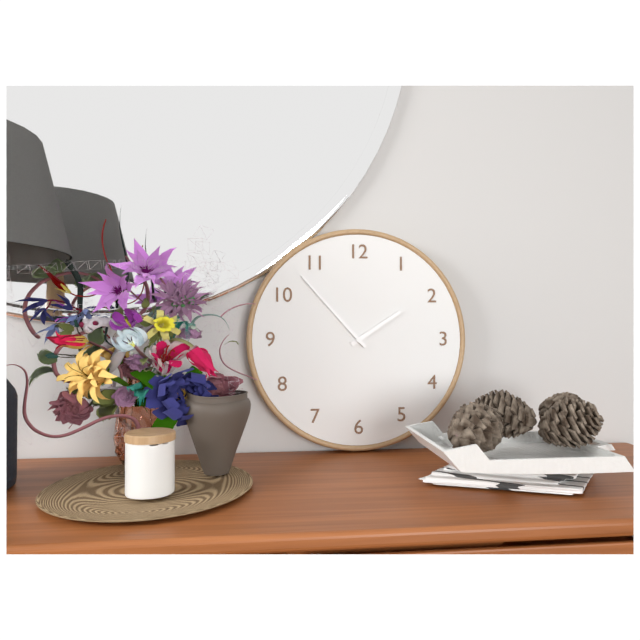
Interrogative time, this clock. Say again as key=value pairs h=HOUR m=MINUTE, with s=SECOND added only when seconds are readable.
h=1 m=53
